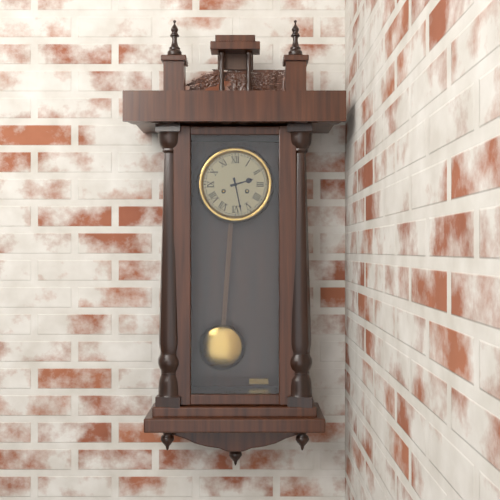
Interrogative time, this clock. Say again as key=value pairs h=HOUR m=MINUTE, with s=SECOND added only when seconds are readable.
h=2 m=28
